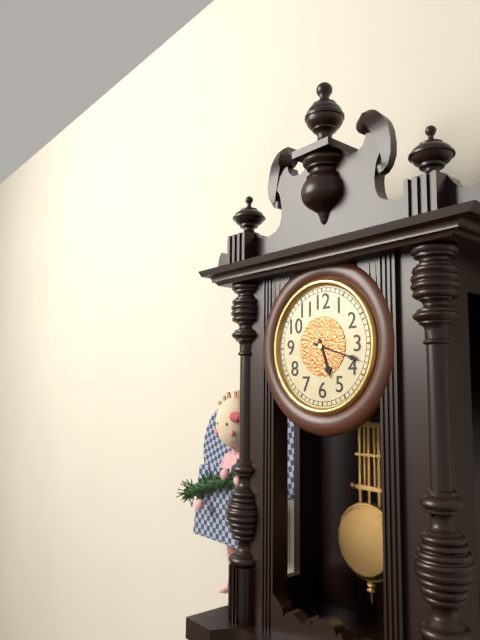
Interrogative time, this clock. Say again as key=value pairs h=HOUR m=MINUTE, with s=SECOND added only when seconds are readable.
h=5 m=18
